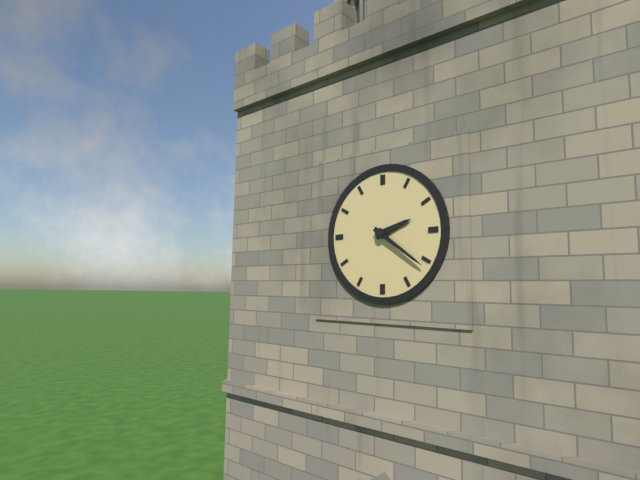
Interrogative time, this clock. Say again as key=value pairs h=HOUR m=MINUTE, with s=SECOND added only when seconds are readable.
h=2 m=21
